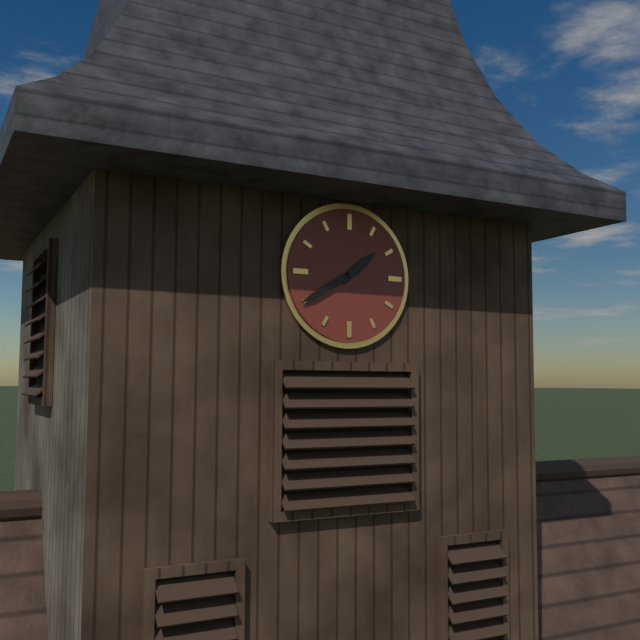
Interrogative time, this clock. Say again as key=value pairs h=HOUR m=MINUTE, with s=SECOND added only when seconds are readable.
h=1 m=40
